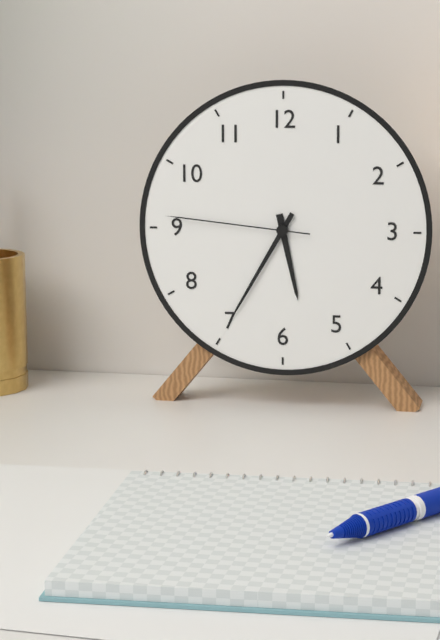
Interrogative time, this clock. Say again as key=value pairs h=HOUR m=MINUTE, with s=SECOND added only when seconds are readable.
h=5 m=35 s=46
